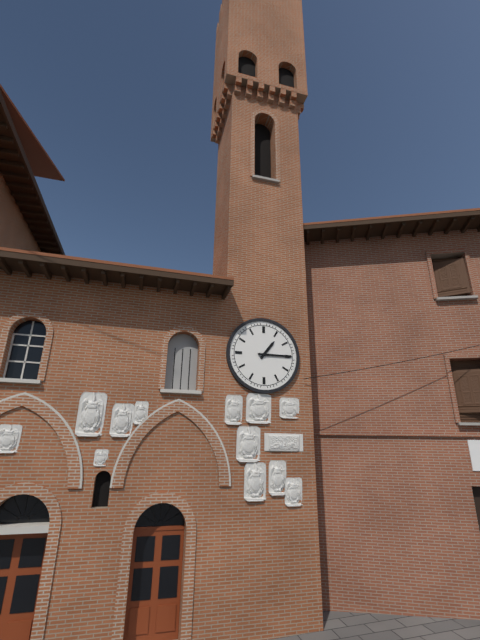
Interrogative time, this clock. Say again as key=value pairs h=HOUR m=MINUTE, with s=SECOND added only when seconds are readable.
h=1 m=15
